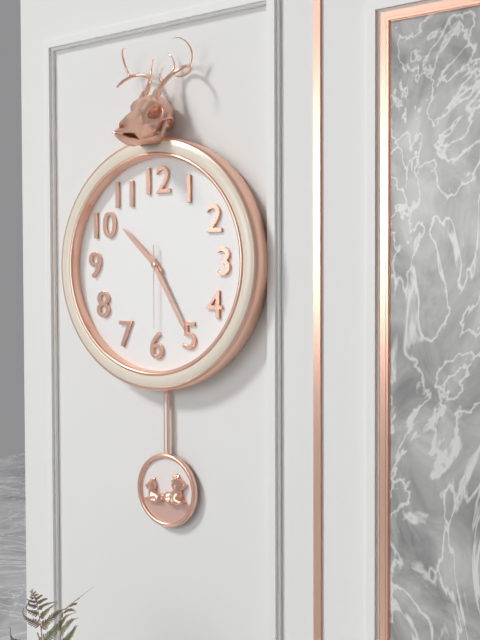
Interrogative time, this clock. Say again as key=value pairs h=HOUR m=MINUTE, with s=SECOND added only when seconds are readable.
h=10 m=25 s=30
